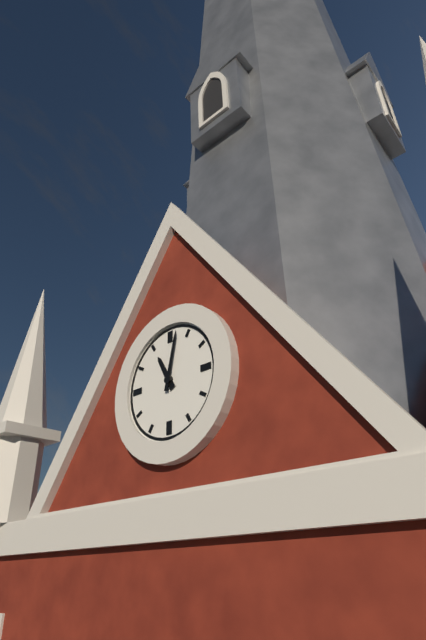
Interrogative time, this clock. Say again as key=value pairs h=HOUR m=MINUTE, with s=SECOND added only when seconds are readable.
h=11 m=2
